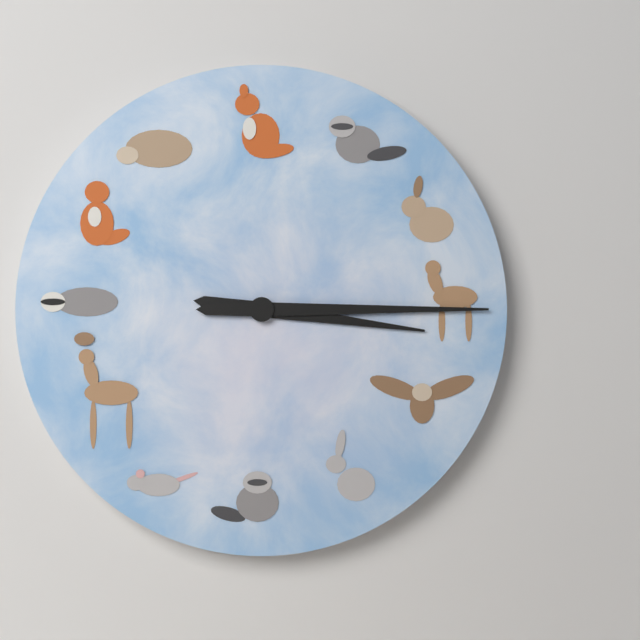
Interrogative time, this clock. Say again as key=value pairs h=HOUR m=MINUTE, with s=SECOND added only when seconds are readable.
h=3 m=15
